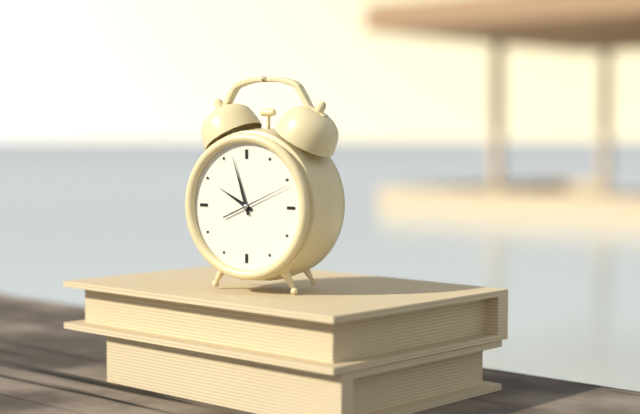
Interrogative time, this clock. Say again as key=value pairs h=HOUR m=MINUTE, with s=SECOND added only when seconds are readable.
h=9 m=57 s=11
